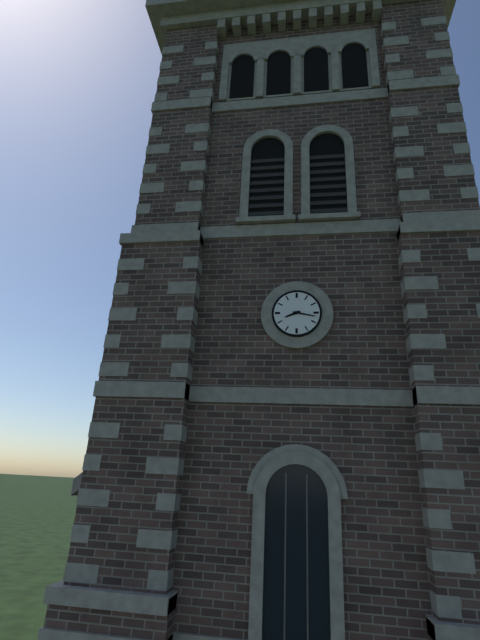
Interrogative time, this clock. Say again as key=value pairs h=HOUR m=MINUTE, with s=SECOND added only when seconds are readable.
h=8 m=17
